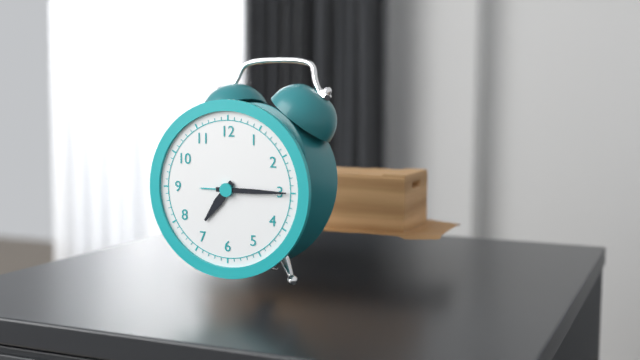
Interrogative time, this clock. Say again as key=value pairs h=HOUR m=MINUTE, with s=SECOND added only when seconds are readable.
h=7 m=15
